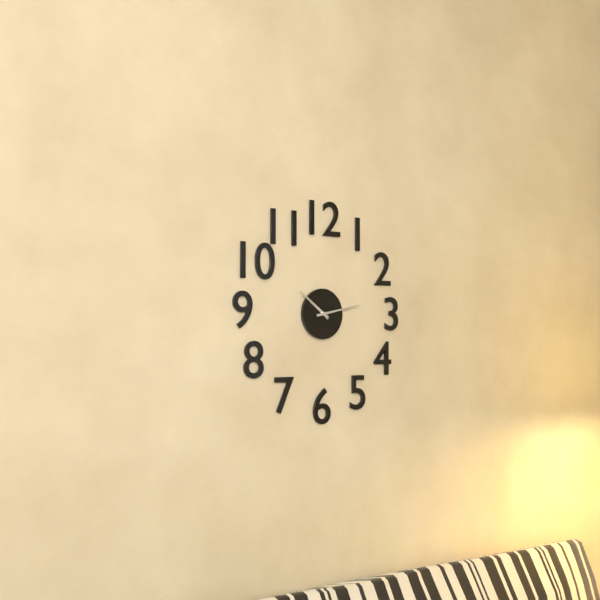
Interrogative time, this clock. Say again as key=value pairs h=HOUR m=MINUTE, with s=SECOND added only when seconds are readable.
h=10 m=13
